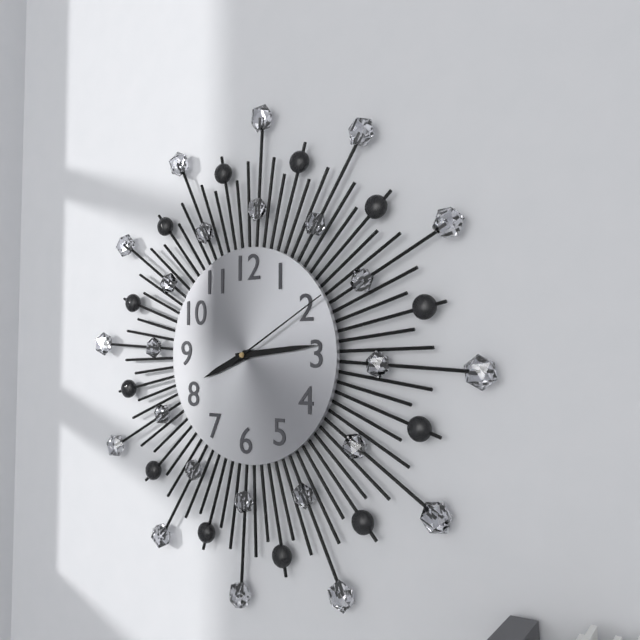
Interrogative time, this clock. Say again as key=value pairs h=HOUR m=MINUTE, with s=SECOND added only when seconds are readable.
h=8 m=14 s=10
